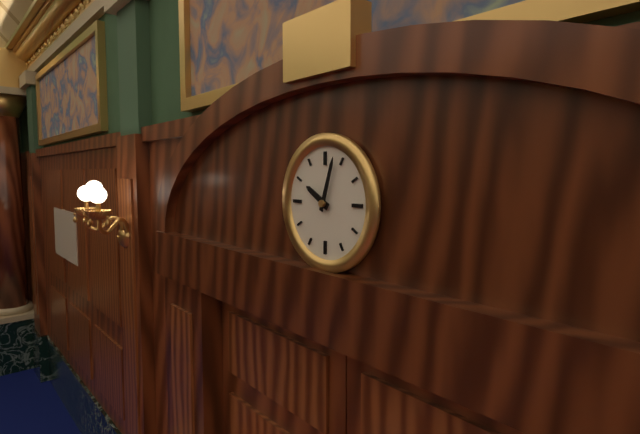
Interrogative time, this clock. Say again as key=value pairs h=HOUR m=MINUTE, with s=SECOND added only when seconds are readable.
h=10 m=3
